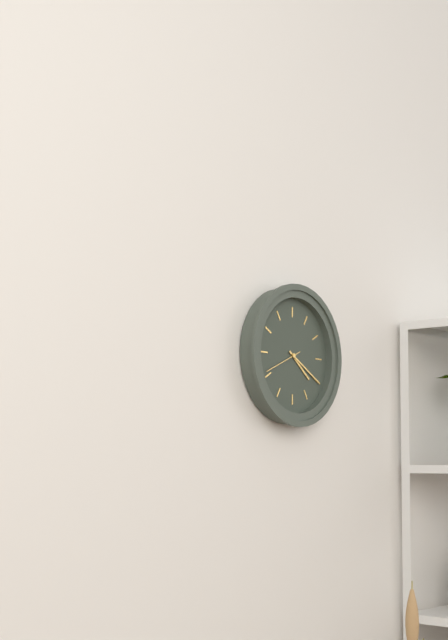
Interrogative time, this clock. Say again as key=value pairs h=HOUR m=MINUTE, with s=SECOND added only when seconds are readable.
h=4 m=20
